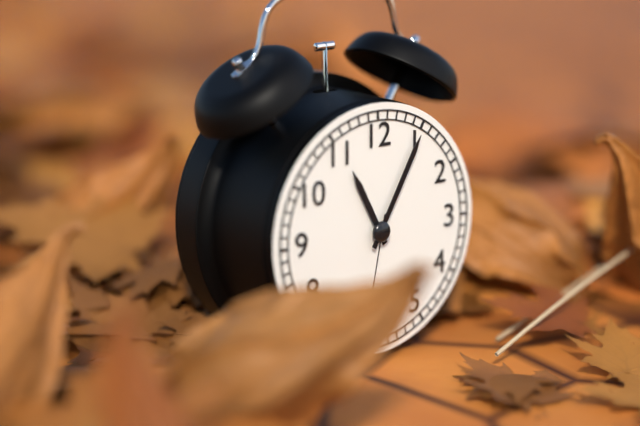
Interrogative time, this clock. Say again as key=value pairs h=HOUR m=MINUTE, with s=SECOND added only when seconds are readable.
h=11 m=5 s=32
